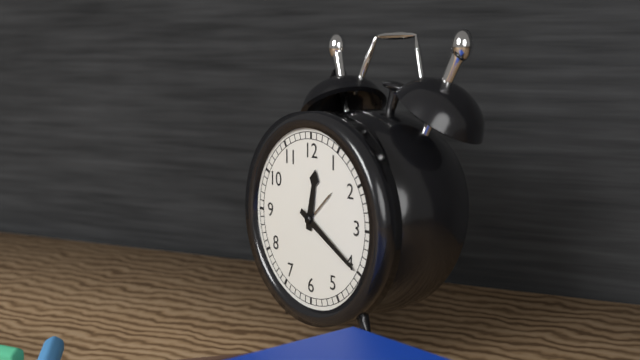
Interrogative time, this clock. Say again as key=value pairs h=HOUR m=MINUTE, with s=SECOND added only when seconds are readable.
h=12 m=20
